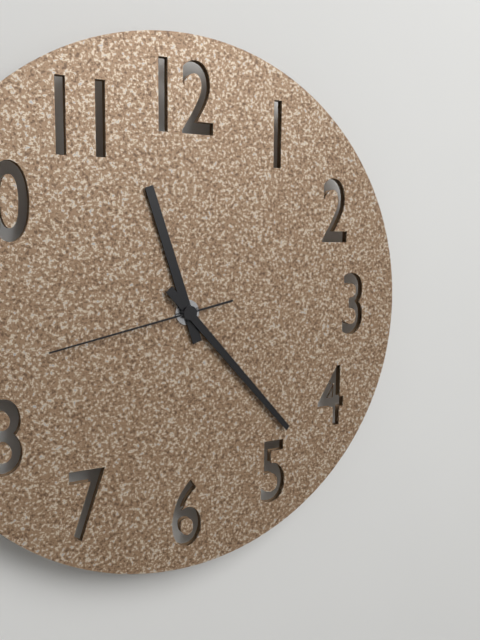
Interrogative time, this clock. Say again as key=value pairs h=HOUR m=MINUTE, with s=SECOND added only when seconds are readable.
h=11 m=23 s=43
